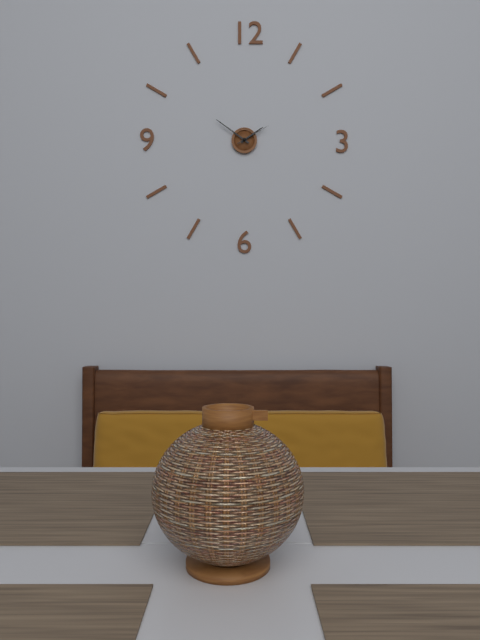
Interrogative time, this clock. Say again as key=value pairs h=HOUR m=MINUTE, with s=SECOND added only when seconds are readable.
h=1 m=51
